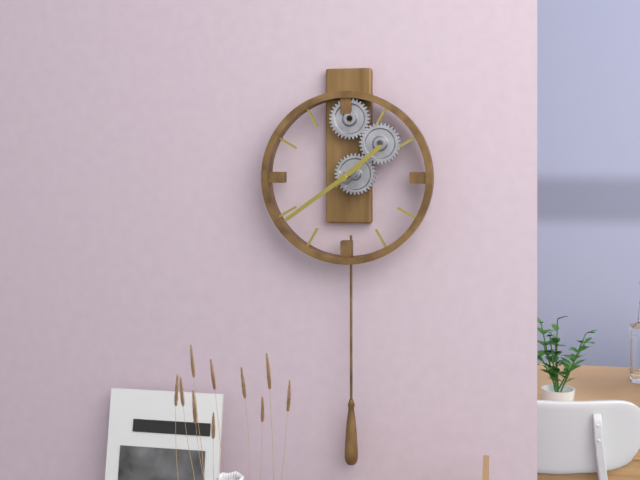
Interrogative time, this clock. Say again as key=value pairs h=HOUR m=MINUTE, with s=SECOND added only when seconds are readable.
h=1 m=39
